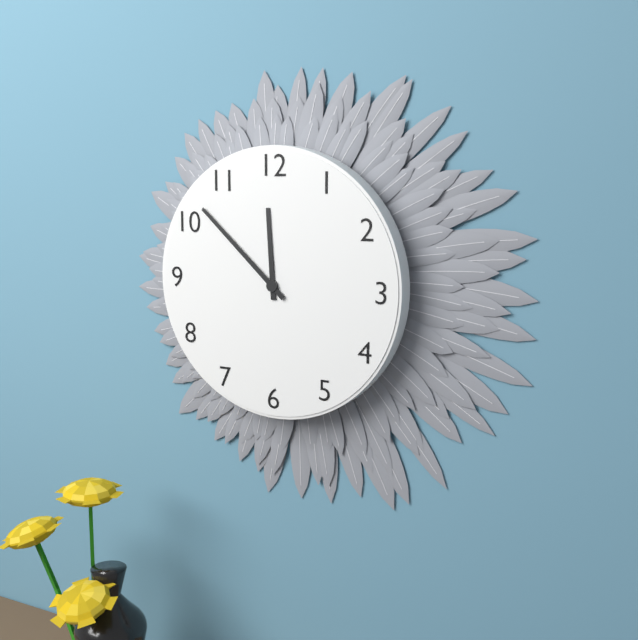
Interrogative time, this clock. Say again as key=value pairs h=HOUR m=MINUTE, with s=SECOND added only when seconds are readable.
h=11 m=52
